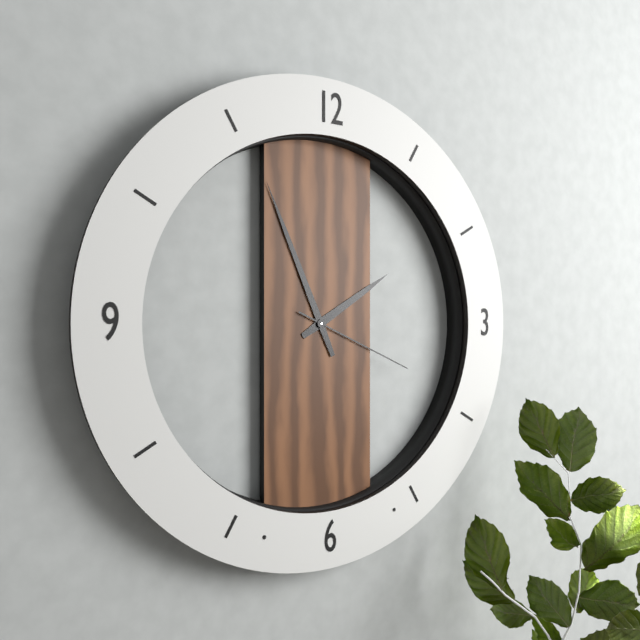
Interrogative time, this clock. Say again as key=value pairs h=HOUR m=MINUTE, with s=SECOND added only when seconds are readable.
h=1 m=56 s=19
